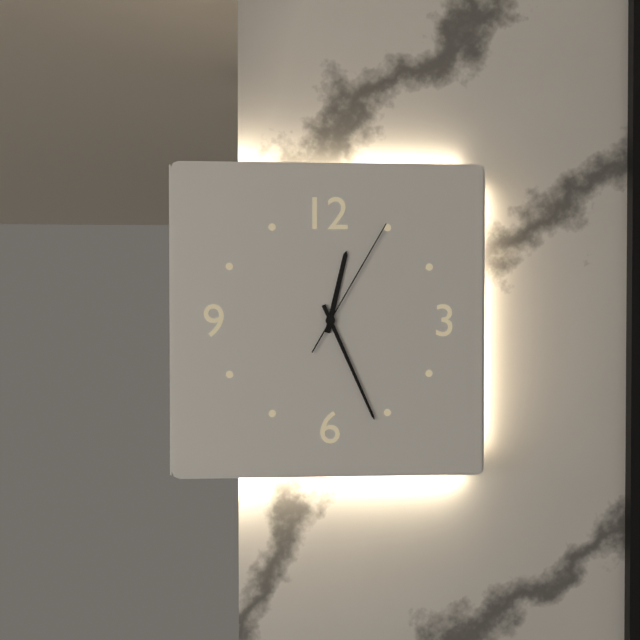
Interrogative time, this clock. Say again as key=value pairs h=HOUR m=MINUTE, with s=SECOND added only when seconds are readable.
h=12 m=26 s=5
